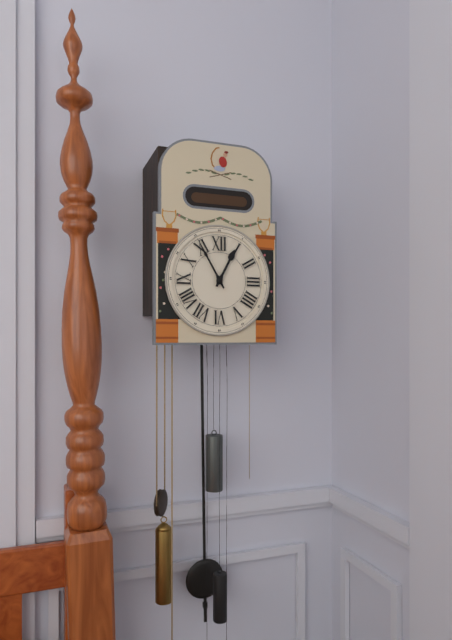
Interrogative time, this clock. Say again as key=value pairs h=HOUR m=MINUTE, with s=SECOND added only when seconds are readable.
h=12 m=55
